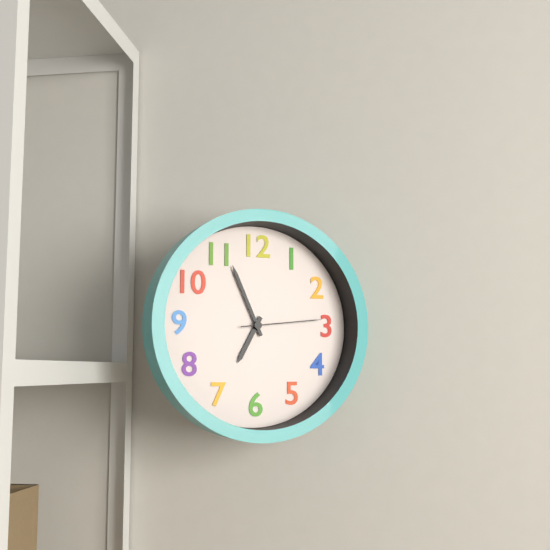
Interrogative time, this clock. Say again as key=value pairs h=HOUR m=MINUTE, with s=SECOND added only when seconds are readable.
h=6 m=56 s=14
